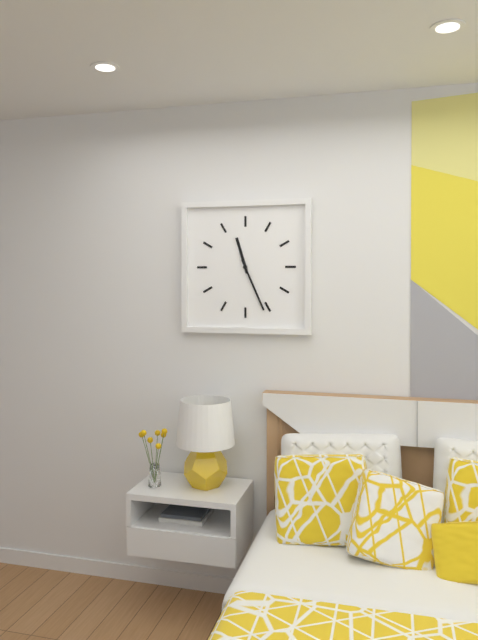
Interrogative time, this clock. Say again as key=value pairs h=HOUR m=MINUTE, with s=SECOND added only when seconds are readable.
h=11 m=26
